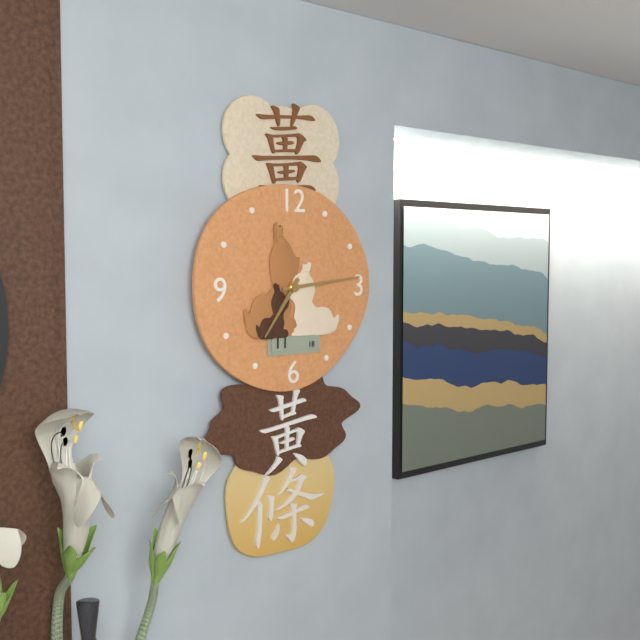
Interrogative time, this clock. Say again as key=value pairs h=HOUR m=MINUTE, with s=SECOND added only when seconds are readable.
h=7 m=14
